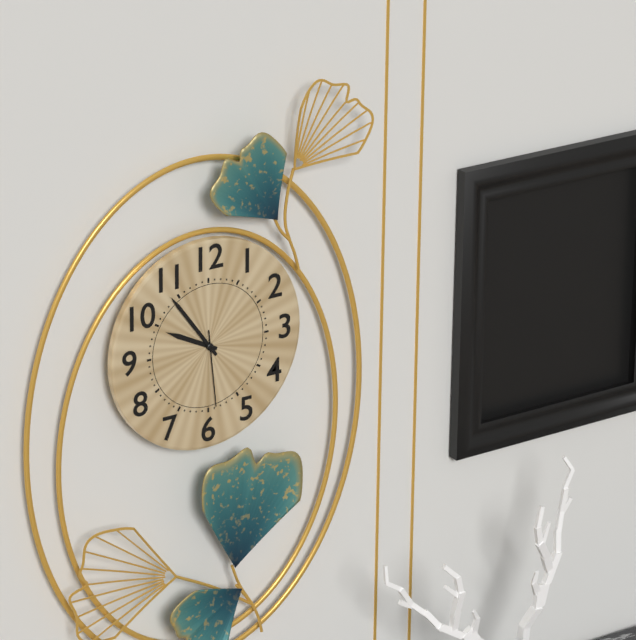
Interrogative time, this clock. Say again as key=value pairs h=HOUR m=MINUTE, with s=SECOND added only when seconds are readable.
h=9 m=54 s=29
